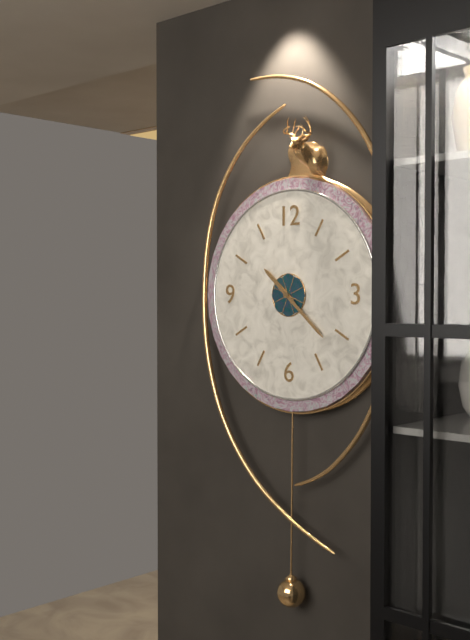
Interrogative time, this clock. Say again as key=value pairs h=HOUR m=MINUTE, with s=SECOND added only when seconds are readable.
h=10 m=22
